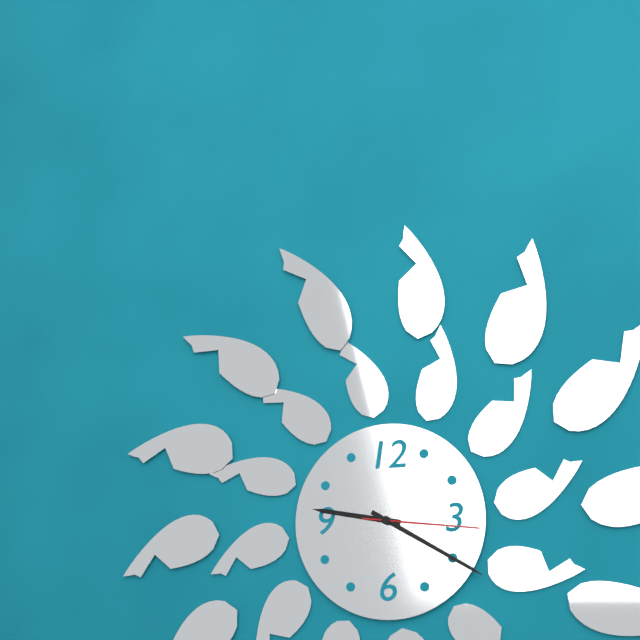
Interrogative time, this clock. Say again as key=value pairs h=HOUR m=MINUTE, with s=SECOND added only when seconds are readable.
h=9 m=20 s=16
